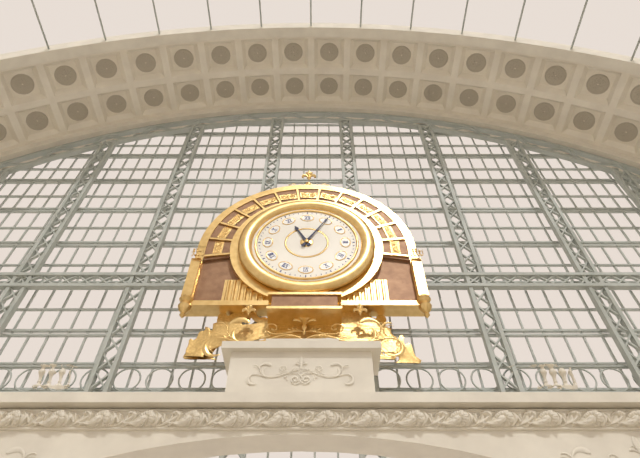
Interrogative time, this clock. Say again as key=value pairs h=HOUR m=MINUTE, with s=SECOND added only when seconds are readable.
h=11 m=5
